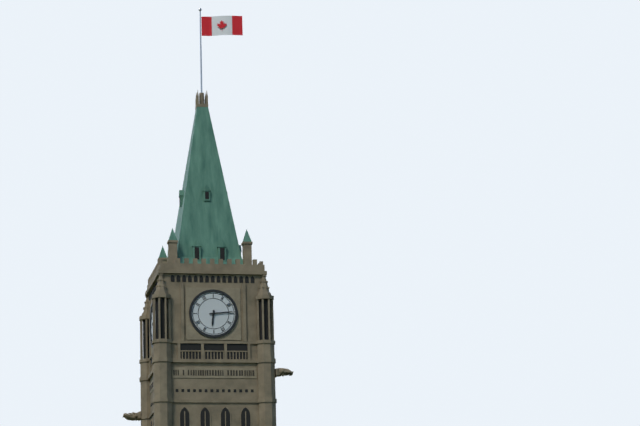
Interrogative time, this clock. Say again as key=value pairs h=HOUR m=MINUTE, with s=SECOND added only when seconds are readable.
h=6 m=14
